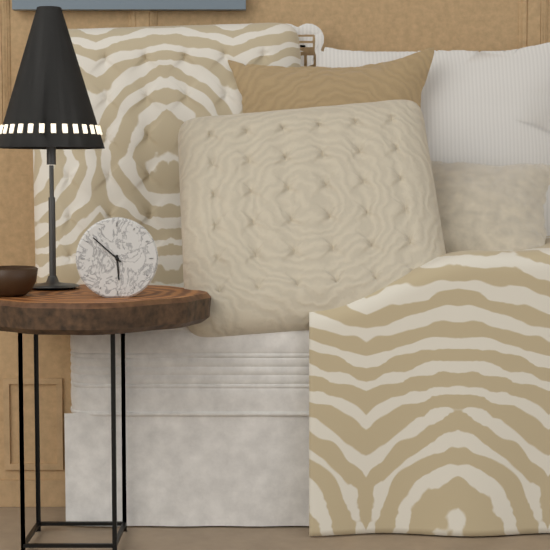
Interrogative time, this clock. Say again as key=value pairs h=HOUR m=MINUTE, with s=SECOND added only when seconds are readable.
h=5 m=52
